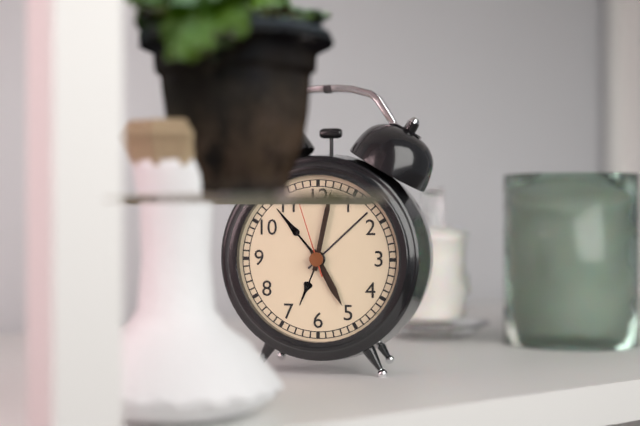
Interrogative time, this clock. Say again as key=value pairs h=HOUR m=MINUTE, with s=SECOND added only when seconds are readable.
h=5 m=2 s=57
